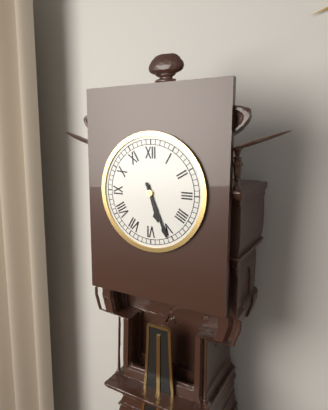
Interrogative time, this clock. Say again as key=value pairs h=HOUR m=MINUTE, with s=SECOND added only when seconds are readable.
h=5 m=26
